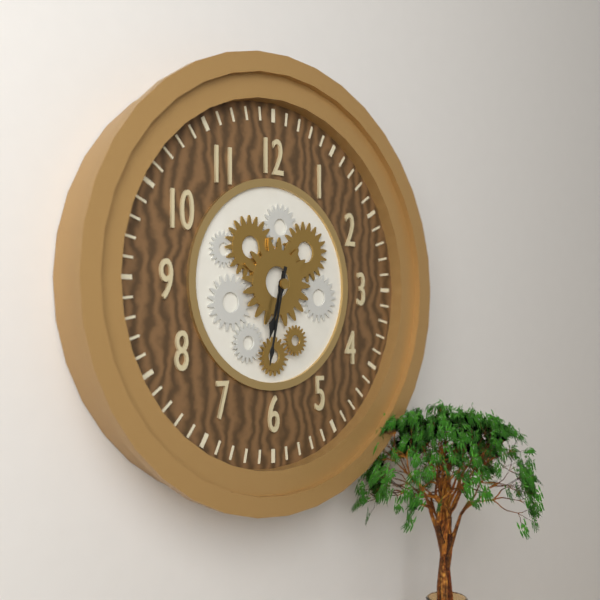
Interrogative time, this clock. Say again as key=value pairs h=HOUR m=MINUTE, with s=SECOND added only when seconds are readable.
h=6 m=32
